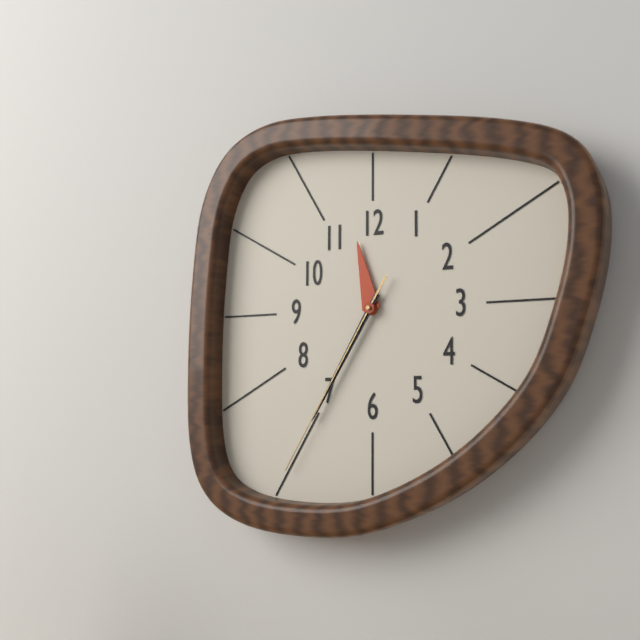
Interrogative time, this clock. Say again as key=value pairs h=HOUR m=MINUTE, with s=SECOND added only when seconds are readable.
h=11 m=35 s=35
